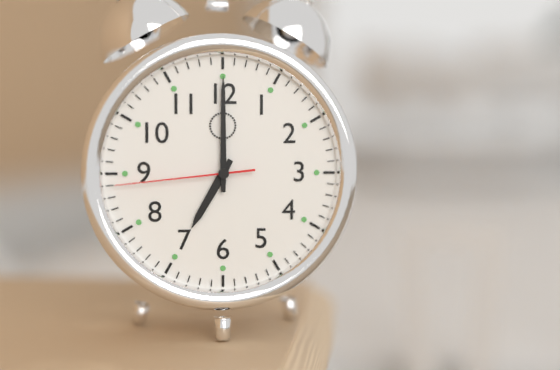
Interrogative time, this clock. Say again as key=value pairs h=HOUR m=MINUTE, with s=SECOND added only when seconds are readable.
h=7 m=0 s=44
